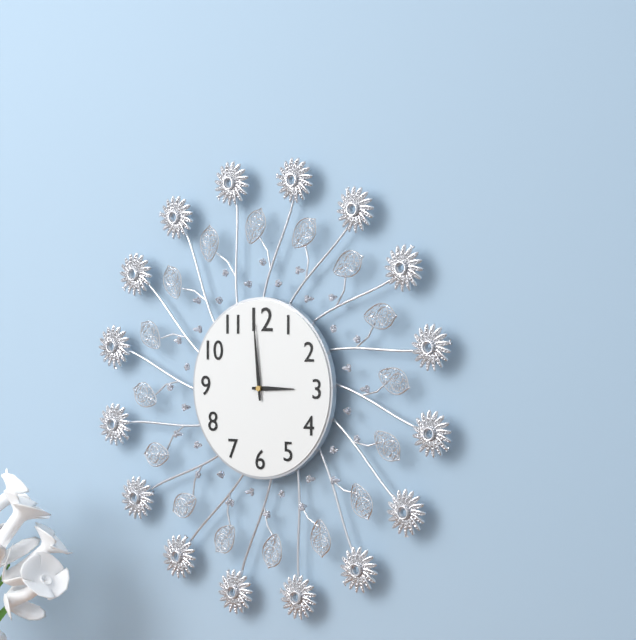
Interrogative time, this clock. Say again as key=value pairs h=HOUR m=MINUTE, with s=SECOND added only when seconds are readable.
h=2 m=59
